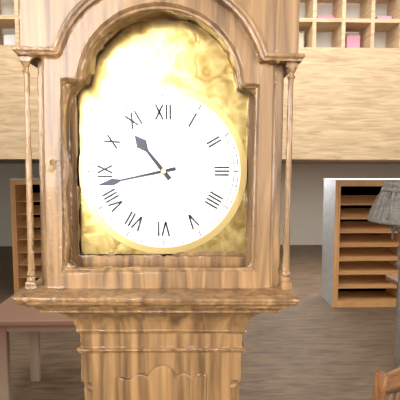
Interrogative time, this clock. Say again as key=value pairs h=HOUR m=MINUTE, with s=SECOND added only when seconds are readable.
h=10 m=43
